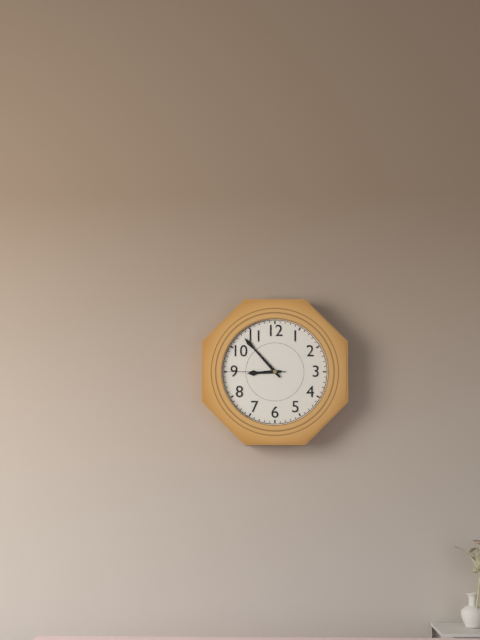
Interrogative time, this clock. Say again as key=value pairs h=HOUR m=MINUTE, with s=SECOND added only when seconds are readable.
h=8 m=53 s=45
